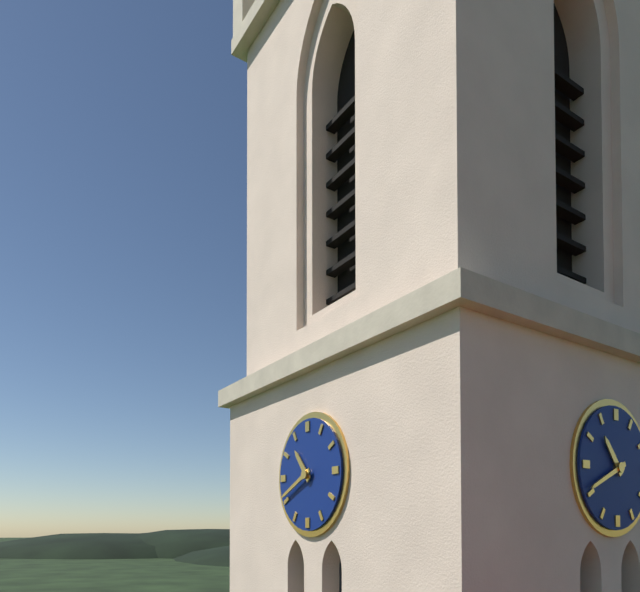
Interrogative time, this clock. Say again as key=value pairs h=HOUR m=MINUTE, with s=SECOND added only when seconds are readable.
h=10 m=41
